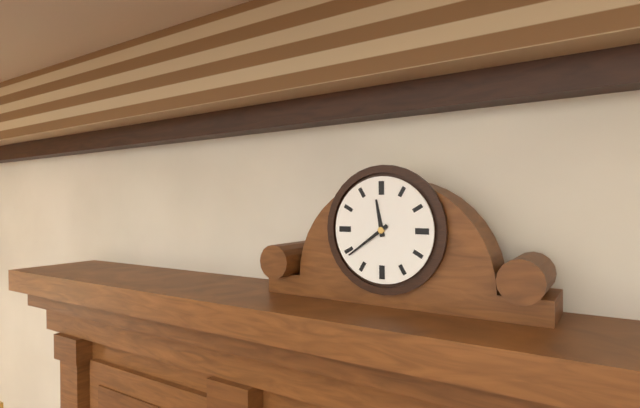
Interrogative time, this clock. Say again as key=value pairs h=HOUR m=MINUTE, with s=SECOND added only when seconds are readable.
h=11 m=39
